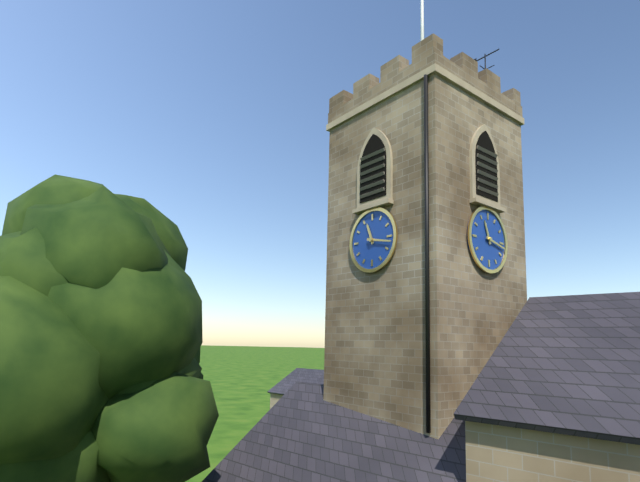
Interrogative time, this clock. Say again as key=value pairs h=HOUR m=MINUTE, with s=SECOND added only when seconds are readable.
h=11 m=17
